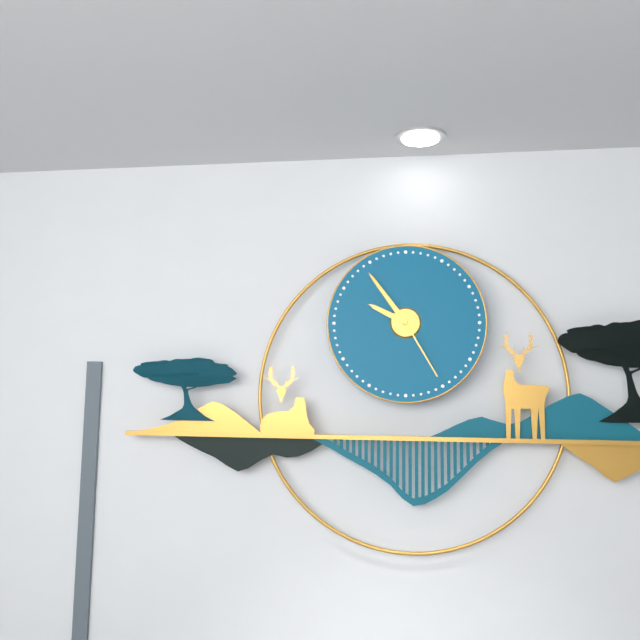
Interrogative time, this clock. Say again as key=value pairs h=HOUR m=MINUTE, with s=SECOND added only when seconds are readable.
h=9 m=54 s=25
